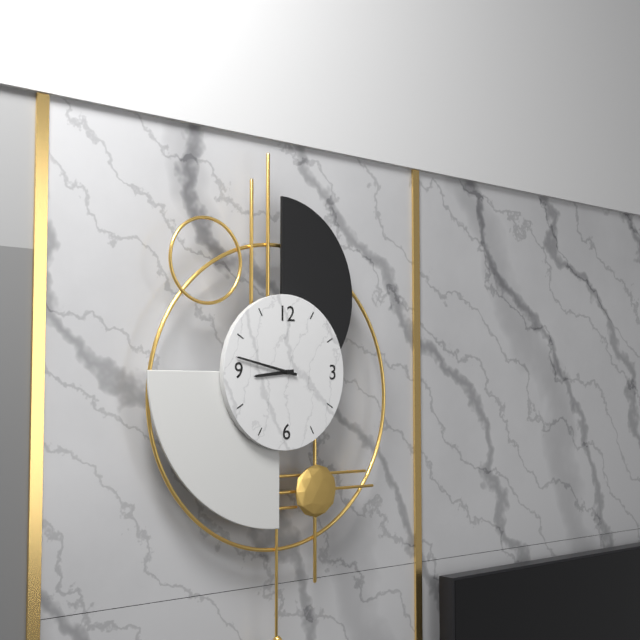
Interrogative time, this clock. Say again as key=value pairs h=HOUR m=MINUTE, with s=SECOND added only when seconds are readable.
h=8 m=47
